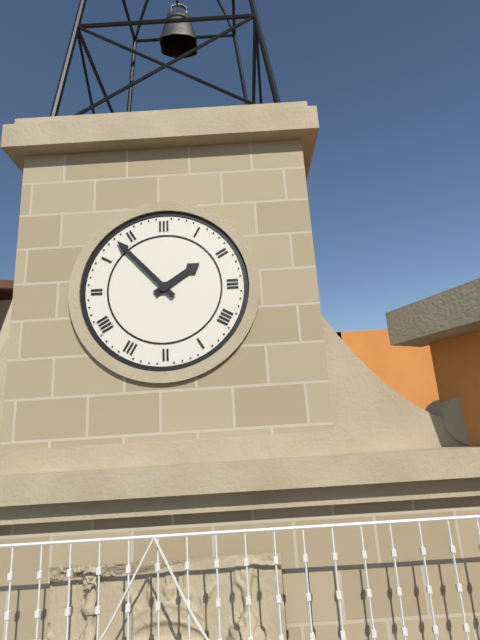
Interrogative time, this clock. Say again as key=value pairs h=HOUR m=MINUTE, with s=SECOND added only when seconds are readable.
h=1 m=53
